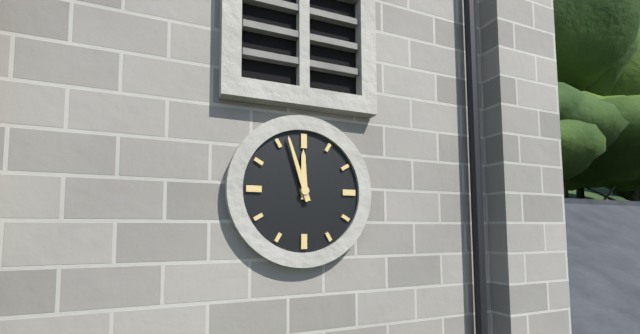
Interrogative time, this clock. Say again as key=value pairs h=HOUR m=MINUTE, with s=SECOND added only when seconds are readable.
h=11 m=57
